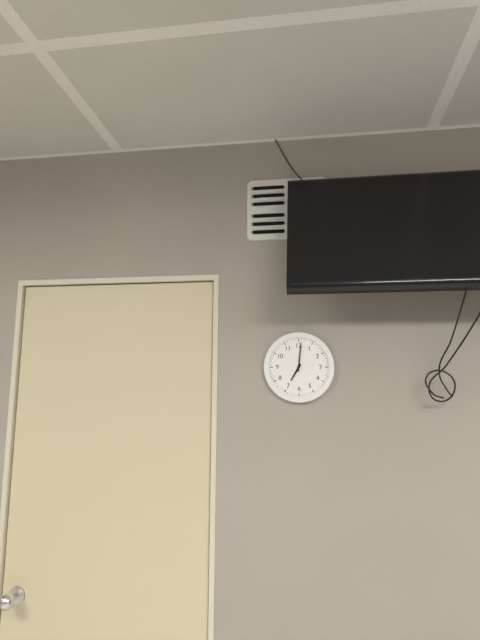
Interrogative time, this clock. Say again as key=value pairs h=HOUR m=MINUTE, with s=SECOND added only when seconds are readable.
h=7 m=1
